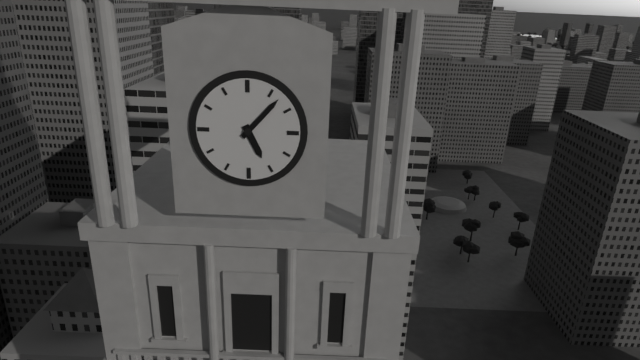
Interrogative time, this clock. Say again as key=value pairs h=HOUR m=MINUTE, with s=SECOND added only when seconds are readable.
h=5 m=7
